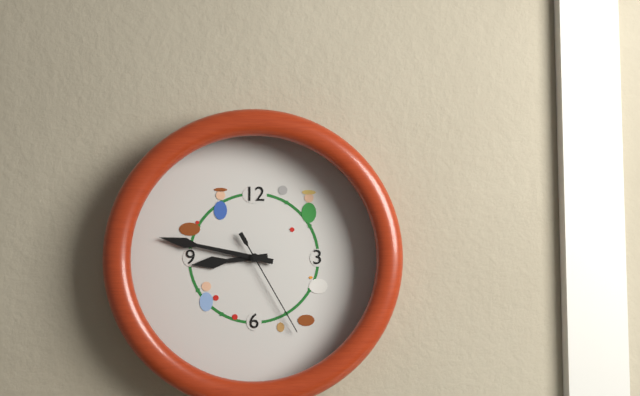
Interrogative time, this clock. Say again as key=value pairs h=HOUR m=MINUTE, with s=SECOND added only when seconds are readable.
h=8 m=47 s=25
